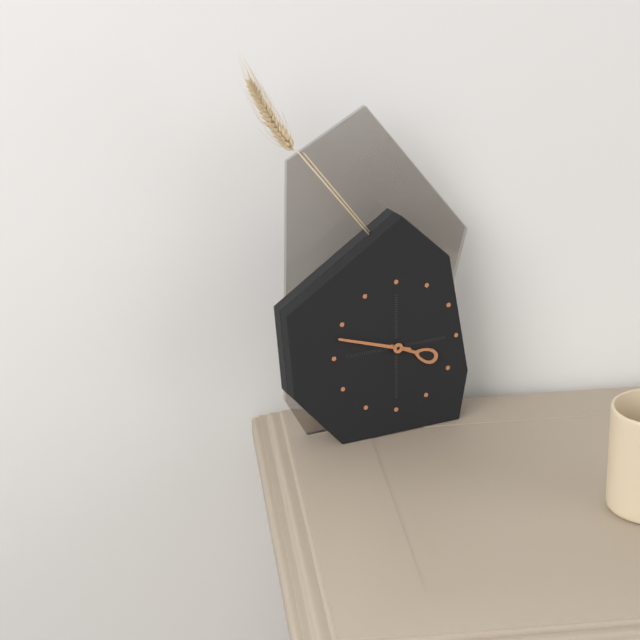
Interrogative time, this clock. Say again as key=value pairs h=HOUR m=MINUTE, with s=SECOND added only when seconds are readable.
h=3 m=48
